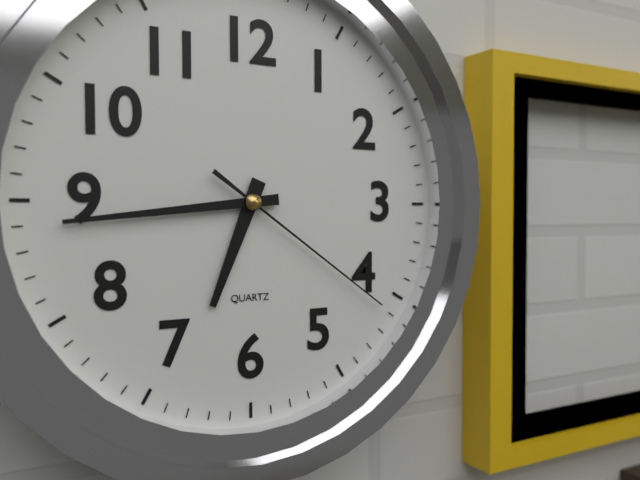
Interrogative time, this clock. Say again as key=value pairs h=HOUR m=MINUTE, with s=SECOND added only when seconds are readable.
h=6 m=44 s=21
